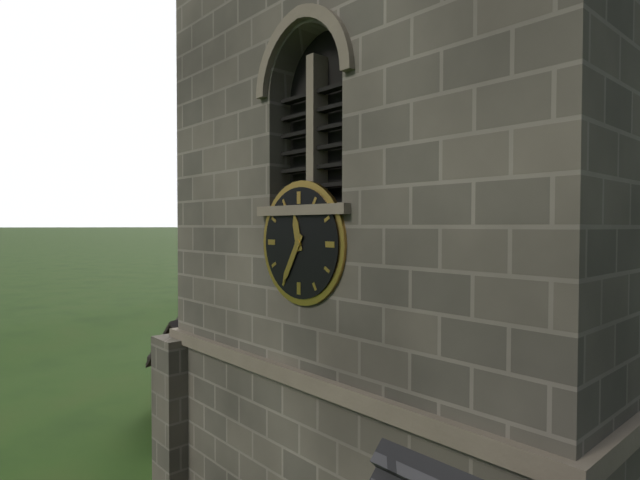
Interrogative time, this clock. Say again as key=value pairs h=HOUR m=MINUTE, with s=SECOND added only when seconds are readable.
h=11 m=35
